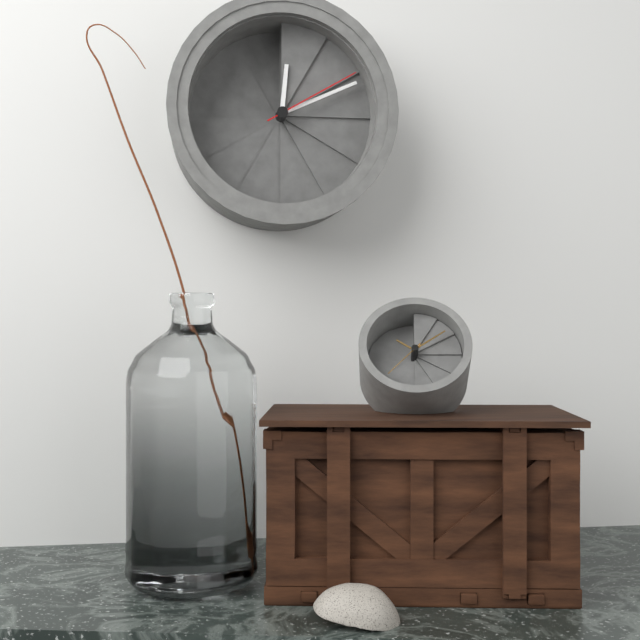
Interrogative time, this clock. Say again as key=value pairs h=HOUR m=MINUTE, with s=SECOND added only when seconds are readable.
h=12 m=11 s=10
